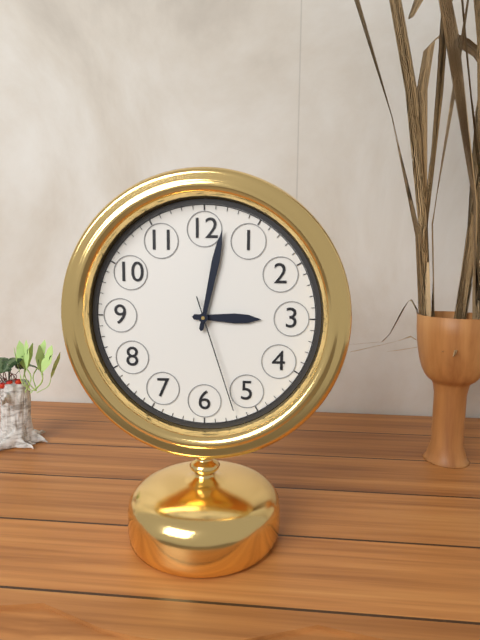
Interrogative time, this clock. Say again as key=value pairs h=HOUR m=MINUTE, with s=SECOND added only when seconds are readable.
h=3 m=2 s=27
